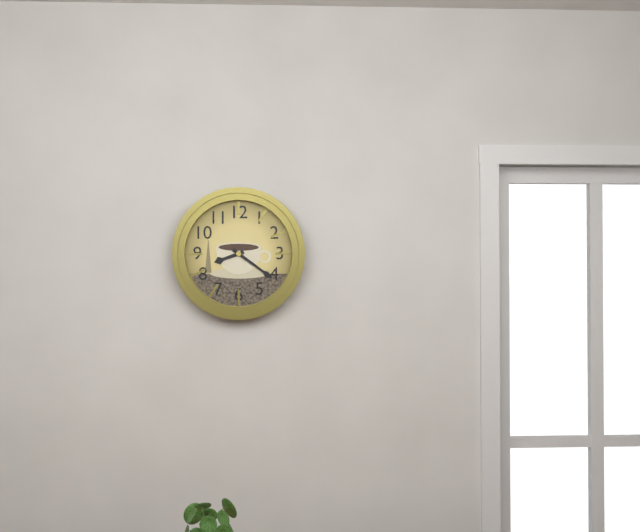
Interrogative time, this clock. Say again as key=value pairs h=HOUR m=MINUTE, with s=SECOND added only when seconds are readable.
h=8 m=21
